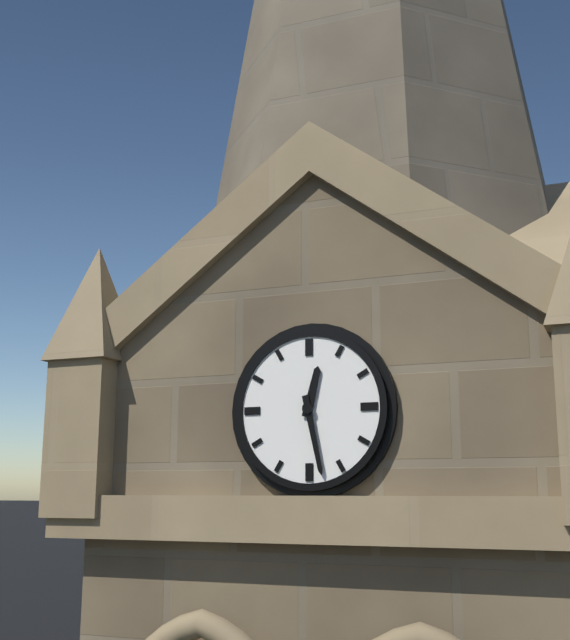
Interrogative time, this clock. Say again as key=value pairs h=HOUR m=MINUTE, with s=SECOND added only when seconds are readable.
h=12 m=28
